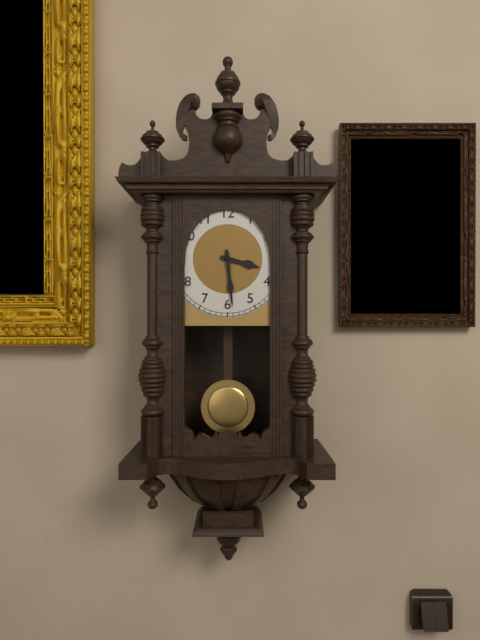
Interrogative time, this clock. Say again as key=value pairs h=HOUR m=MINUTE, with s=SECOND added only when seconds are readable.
h=3 m=29
